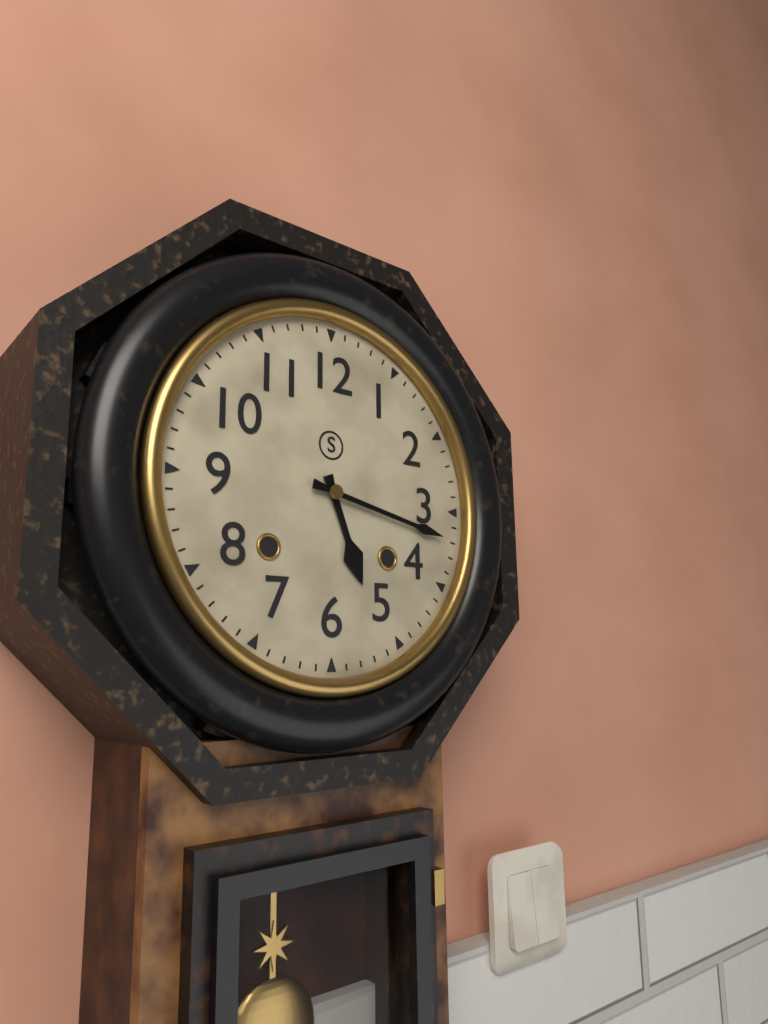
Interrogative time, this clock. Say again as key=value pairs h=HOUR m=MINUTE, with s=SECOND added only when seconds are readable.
h=5 m=17
